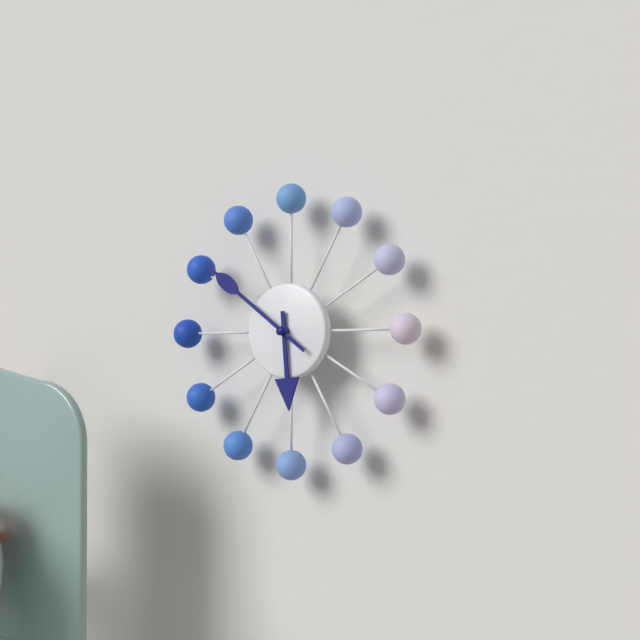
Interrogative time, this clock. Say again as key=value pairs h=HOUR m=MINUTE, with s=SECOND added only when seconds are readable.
h=5 m=51
